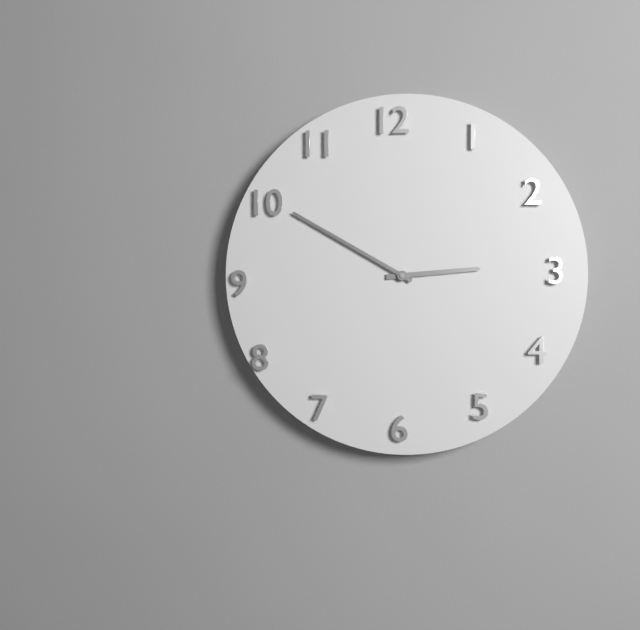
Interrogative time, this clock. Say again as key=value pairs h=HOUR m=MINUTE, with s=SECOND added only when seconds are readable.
h=2 m=50
